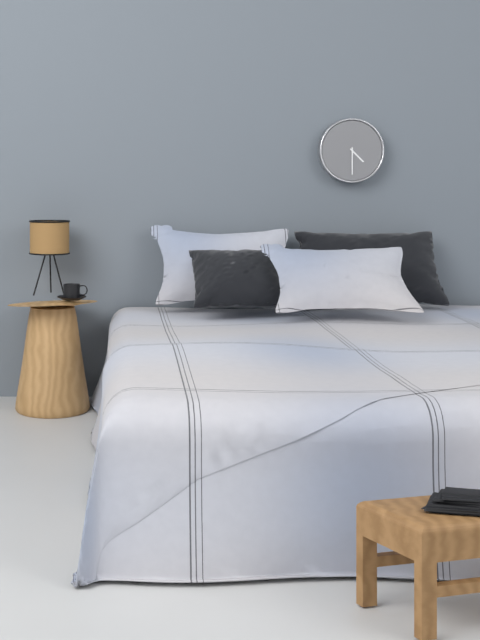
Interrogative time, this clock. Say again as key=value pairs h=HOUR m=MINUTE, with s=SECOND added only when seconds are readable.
h=4 m=30
